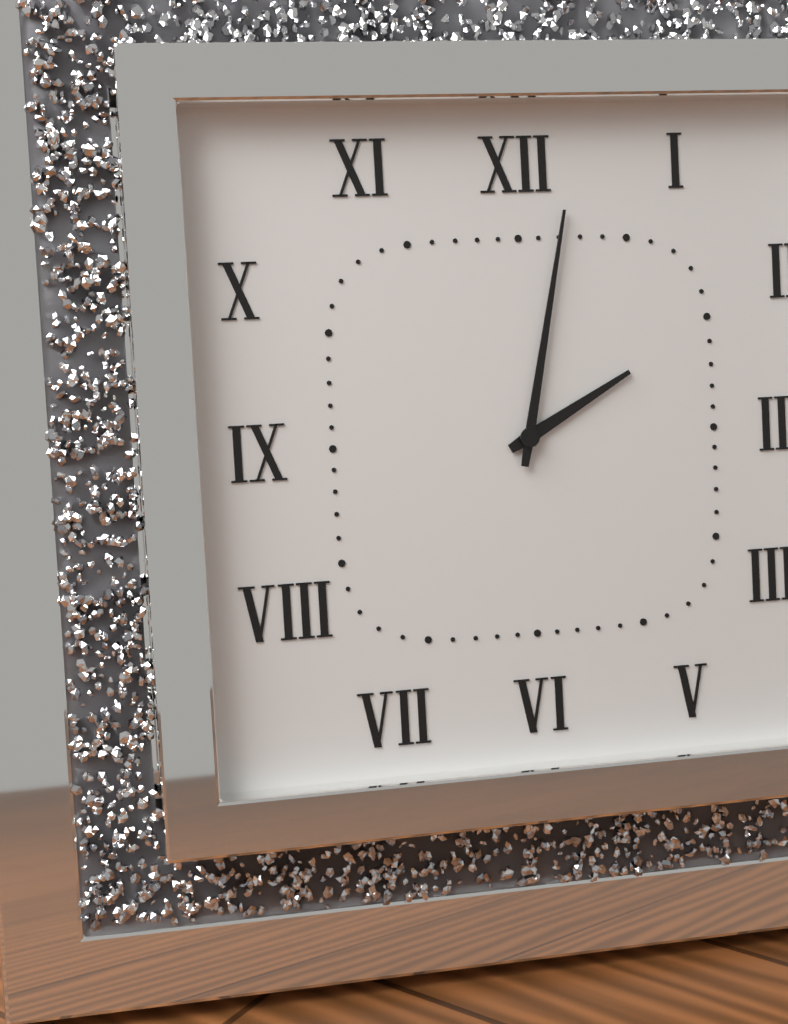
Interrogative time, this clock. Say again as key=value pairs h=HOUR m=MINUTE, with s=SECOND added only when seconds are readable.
h=2 m=2
